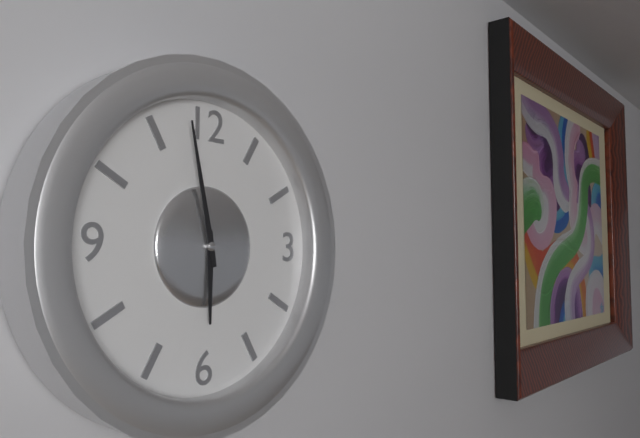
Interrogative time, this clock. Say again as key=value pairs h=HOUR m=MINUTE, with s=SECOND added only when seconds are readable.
h=5 m=58
